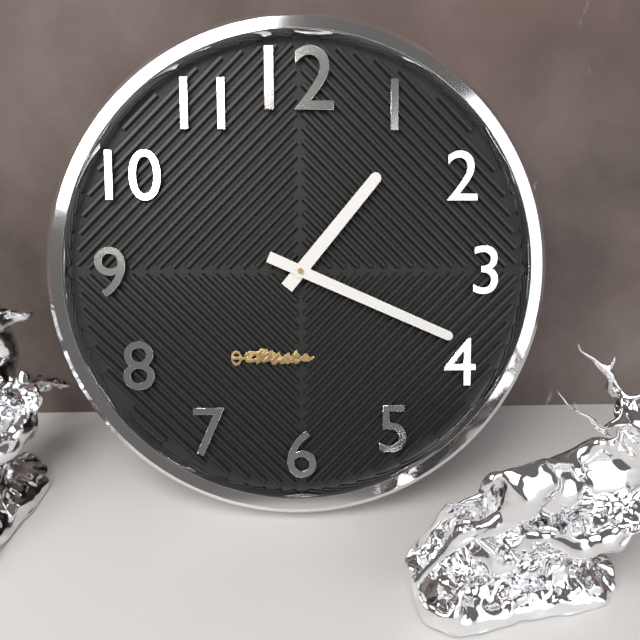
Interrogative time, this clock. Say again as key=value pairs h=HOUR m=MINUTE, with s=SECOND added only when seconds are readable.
h=1 m=19
